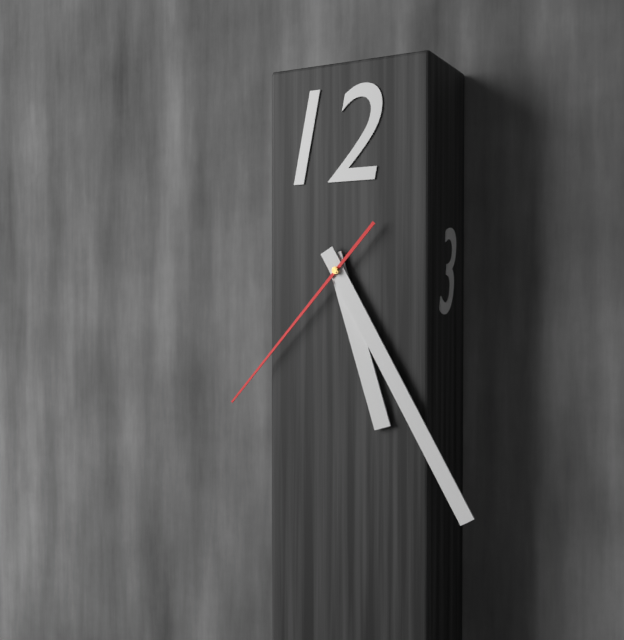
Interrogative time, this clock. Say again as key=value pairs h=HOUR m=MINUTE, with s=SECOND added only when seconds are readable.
h=5 m=25 s=37
